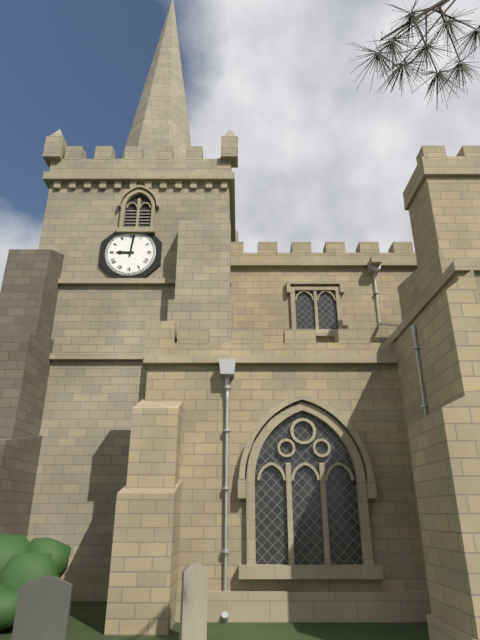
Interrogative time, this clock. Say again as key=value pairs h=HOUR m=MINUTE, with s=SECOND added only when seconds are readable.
h=9 m=1
